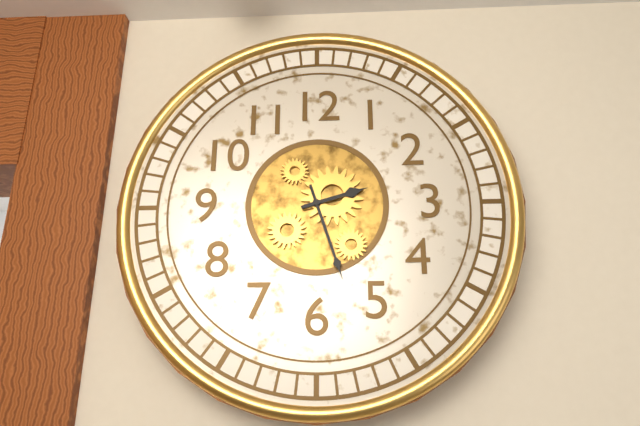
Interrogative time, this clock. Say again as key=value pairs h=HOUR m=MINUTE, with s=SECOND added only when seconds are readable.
h=2 m=27
